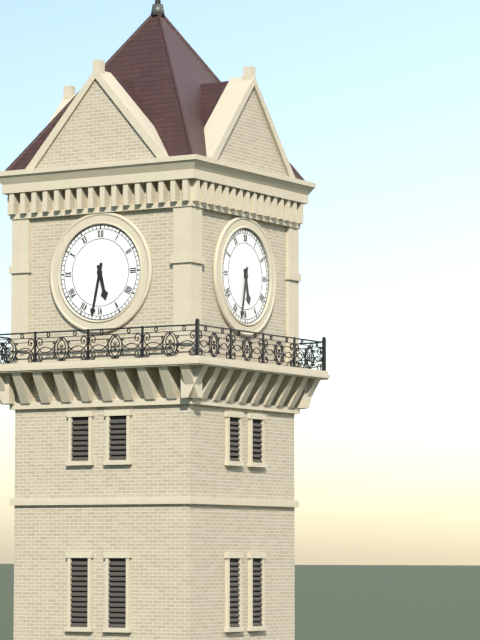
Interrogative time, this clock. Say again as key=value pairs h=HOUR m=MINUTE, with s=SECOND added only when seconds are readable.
h=5 m=32
